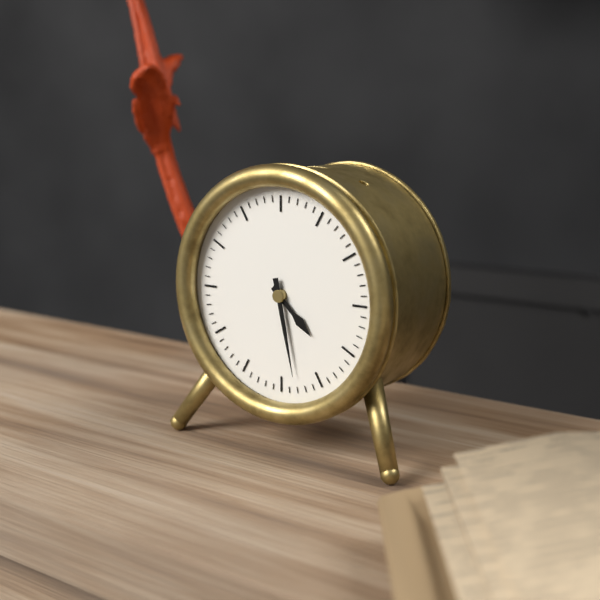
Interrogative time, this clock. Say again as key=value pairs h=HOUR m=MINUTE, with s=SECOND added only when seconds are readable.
h=4 m=28
